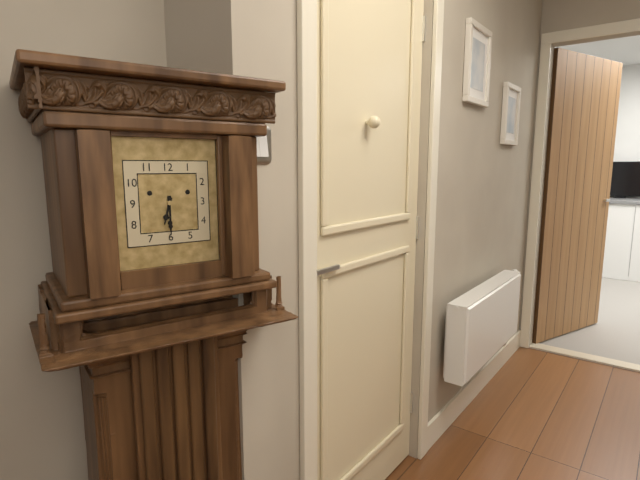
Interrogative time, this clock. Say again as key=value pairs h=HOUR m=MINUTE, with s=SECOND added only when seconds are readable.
h=6 m=30
